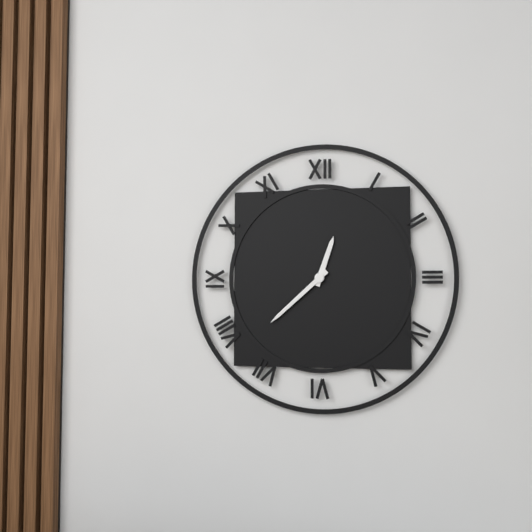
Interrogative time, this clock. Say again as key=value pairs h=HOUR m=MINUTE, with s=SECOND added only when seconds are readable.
h=12 m=38
